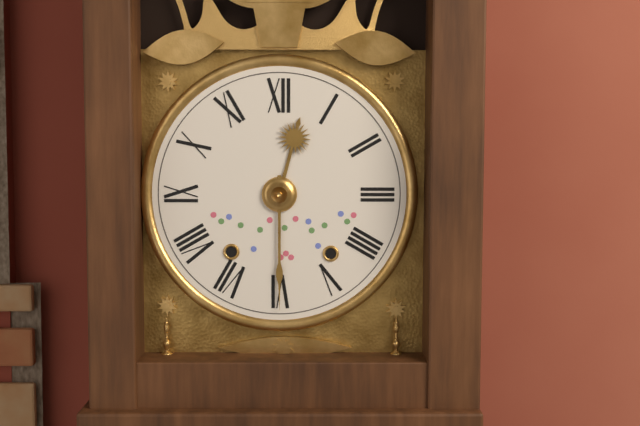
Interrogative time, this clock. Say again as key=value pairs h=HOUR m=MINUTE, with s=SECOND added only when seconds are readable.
h=12 m=30
